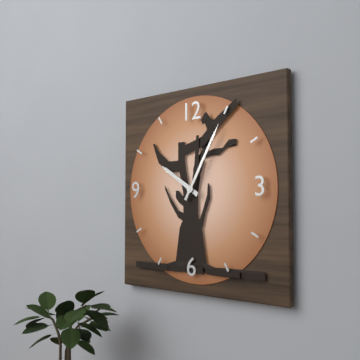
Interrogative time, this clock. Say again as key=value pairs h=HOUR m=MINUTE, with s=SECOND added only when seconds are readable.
h=10 m=5
